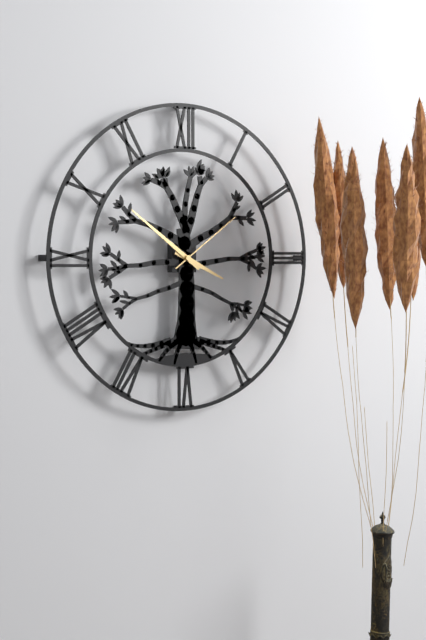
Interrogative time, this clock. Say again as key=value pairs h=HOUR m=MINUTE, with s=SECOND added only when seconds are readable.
h=3 m=51 s=9
